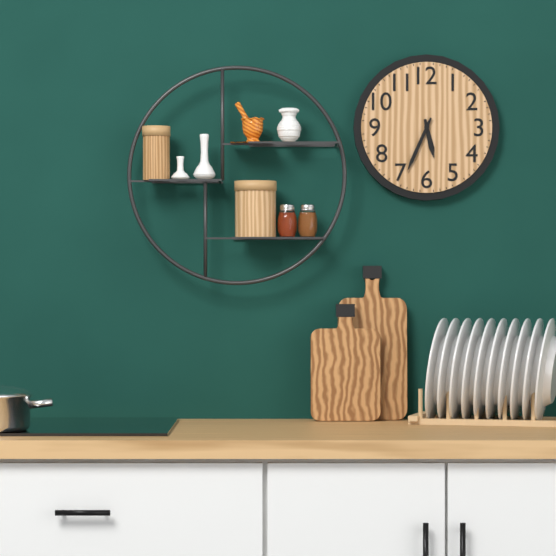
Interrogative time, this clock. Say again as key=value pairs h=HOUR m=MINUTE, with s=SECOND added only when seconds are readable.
h=5 m=34
